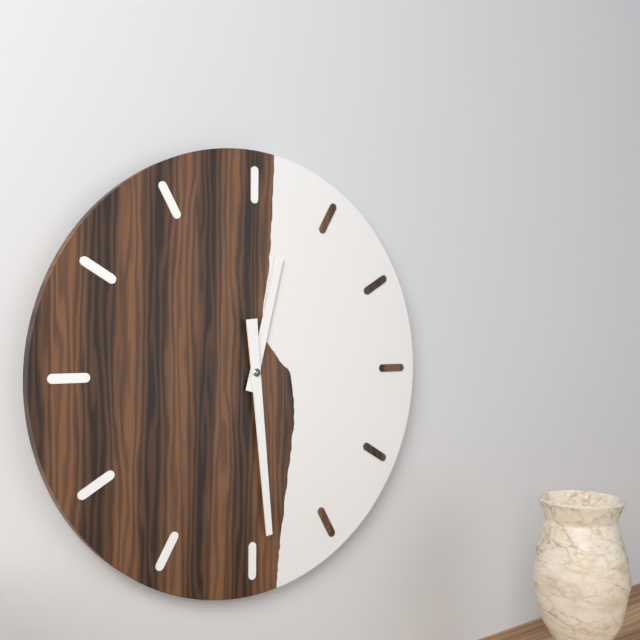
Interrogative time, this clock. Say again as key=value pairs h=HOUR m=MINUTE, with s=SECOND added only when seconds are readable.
h=12 m=29
